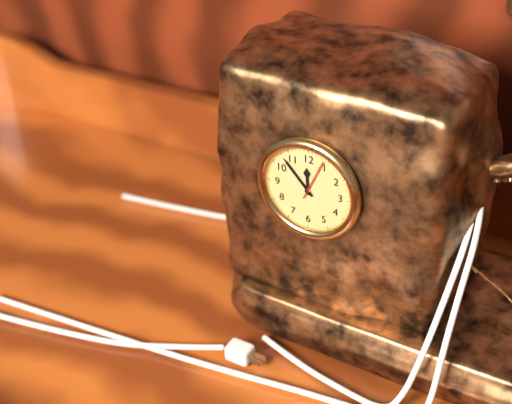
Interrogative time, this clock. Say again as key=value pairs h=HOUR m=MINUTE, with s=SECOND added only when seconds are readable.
h=11 m=53
